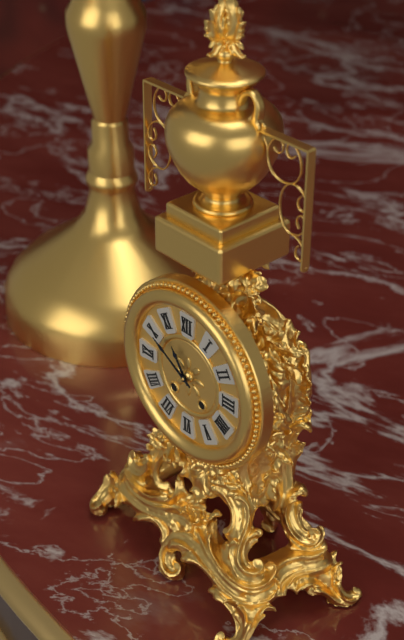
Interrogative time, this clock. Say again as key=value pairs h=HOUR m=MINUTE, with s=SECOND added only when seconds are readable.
h=10 m=50
